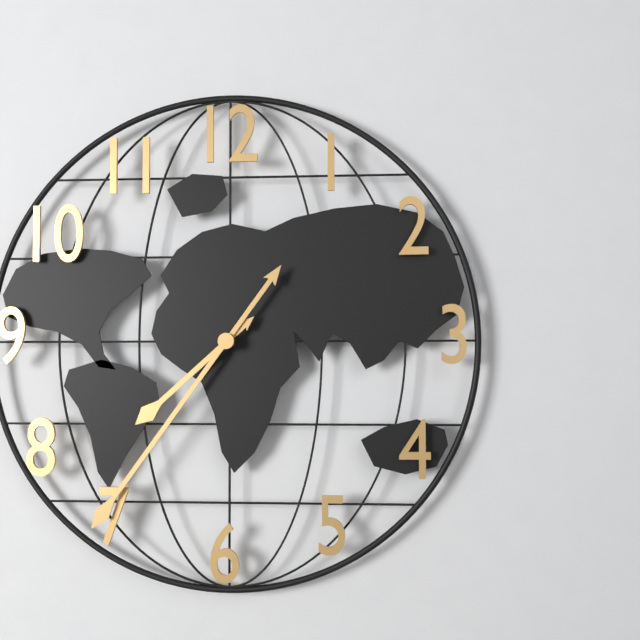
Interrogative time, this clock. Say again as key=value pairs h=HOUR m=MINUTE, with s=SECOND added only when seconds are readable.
h=7 m=36
